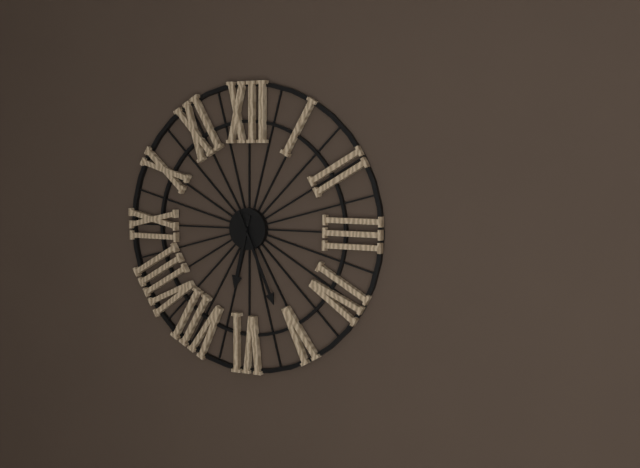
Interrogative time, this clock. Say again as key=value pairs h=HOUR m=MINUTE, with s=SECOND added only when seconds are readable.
h=6 m=26
